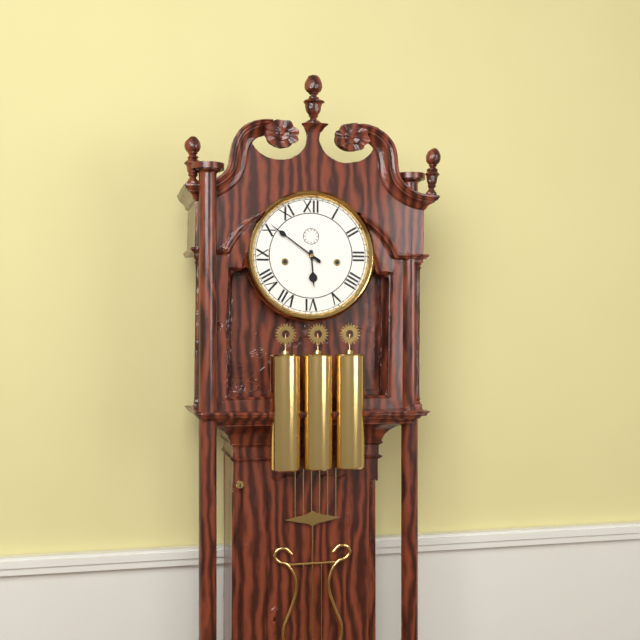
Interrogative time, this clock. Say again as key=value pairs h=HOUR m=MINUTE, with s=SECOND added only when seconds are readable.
h=5 m=51
